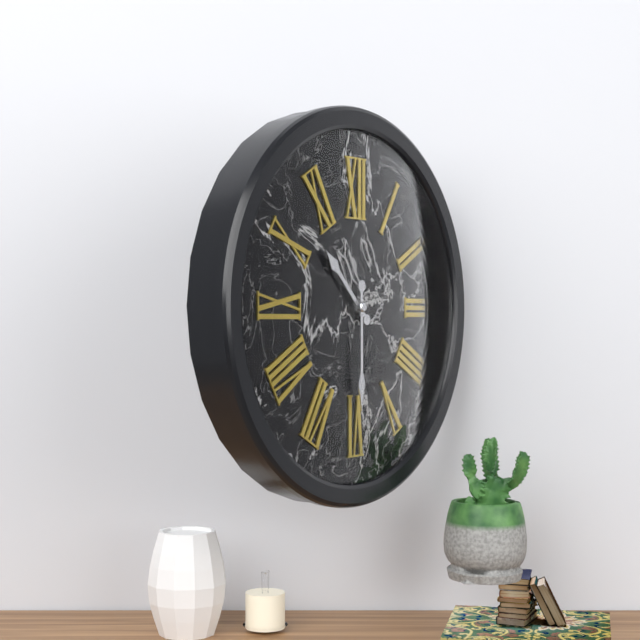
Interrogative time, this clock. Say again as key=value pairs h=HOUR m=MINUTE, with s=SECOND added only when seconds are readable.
h=10 m=30
